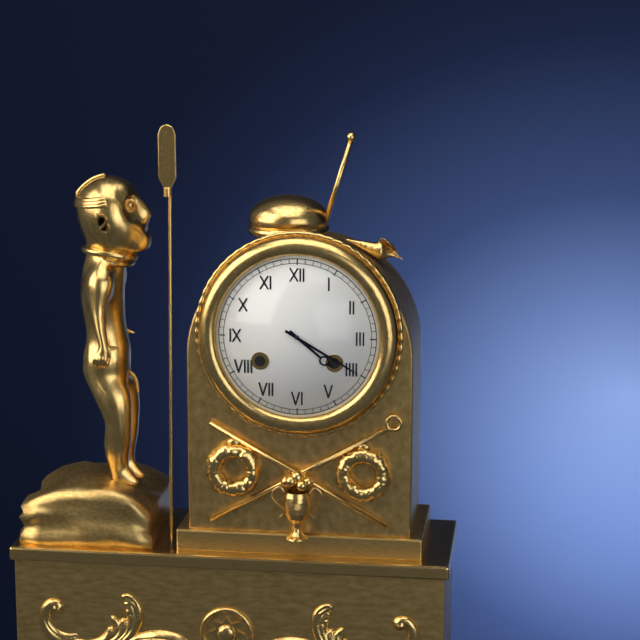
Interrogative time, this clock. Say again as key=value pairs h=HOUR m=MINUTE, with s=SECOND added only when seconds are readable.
h=4 m=20
